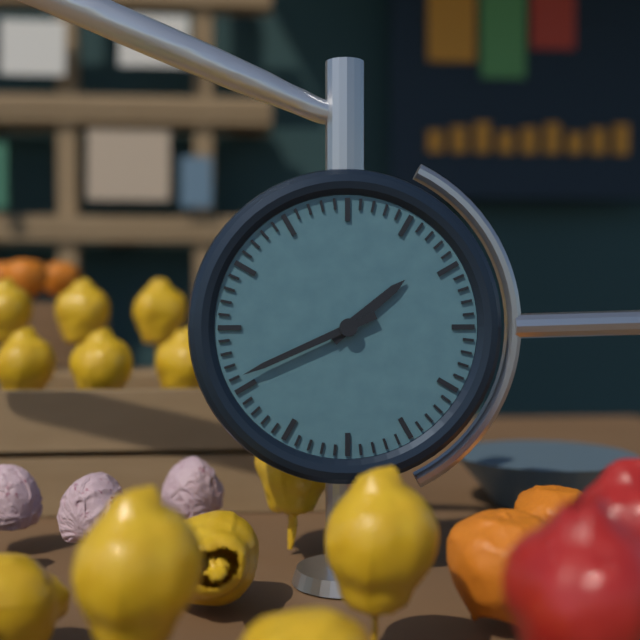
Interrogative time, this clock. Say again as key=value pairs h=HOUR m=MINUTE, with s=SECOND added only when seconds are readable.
h=1 m=41
